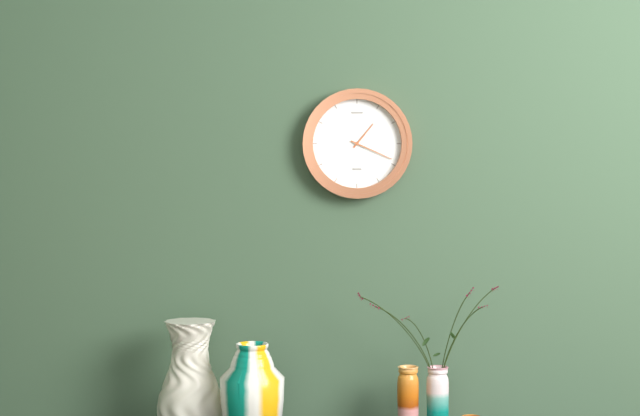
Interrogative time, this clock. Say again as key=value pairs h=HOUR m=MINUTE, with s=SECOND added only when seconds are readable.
h=1 m=19
